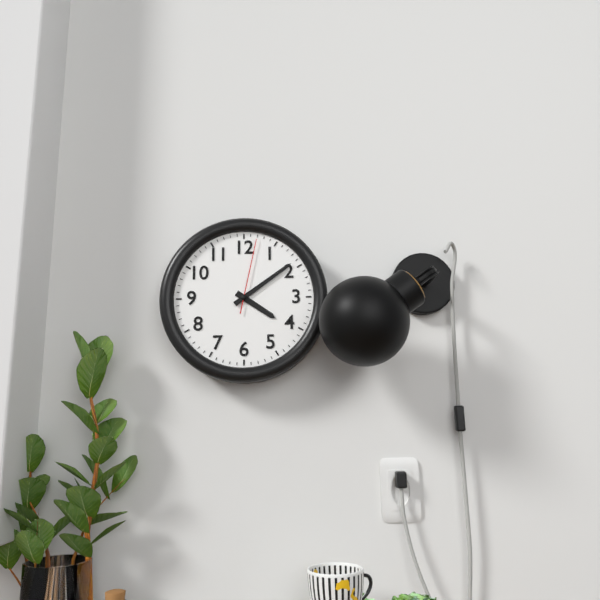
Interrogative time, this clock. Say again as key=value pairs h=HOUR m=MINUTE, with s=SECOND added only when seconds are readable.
h=4 m=9 s=2
